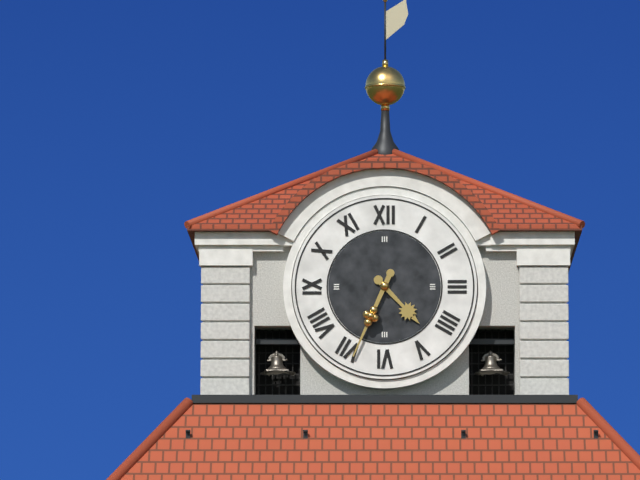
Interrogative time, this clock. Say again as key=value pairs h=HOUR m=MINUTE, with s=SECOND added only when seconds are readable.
h=4 m=34
